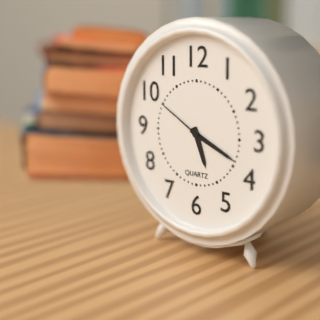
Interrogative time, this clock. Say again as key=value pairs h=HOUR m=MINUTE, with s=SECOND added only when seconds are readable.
h=5 m=19 s=50
